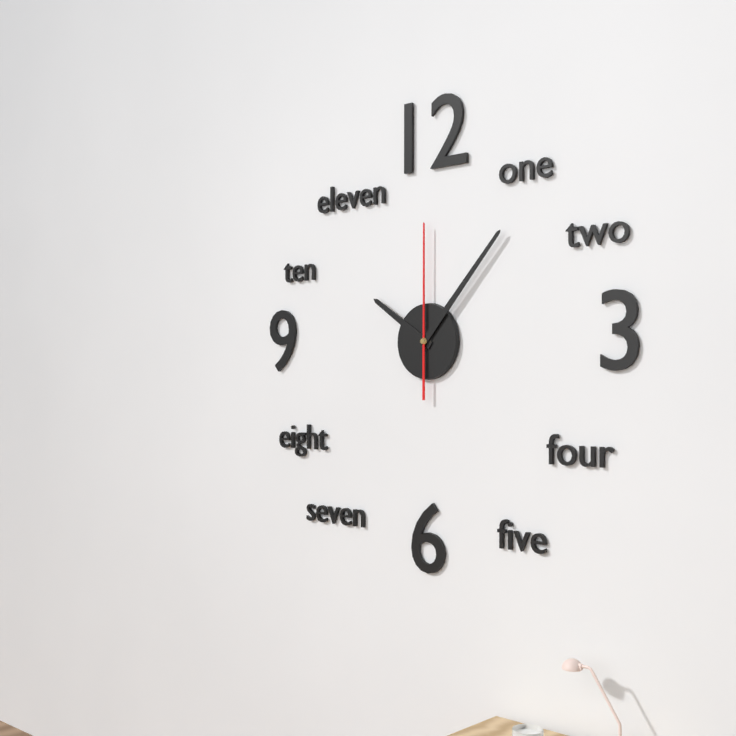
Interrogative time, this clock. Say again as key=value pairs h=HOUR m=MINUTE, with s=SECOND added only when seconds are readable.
h=10 m=7 s=0
